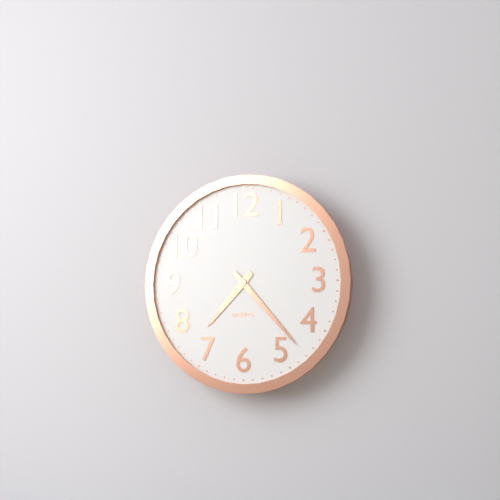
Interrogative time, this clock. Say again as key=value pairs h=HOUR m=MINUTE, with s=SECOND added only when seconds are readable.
h=7 m=23
